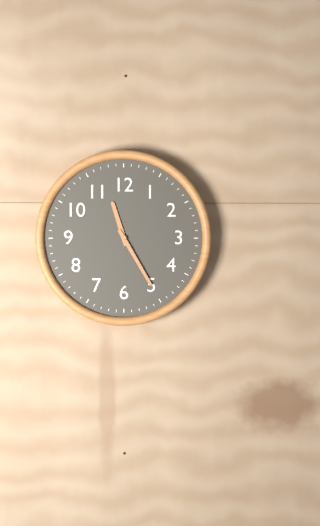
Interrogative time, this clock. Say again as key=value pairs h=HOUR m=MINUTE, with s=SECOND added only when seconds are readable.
h=11 m=25
